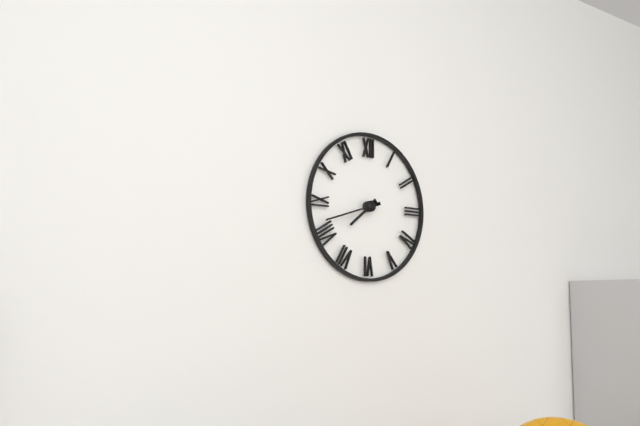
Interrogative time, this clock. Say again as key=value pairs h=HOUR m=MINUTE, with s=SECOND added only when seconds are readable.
h=7 m=42
